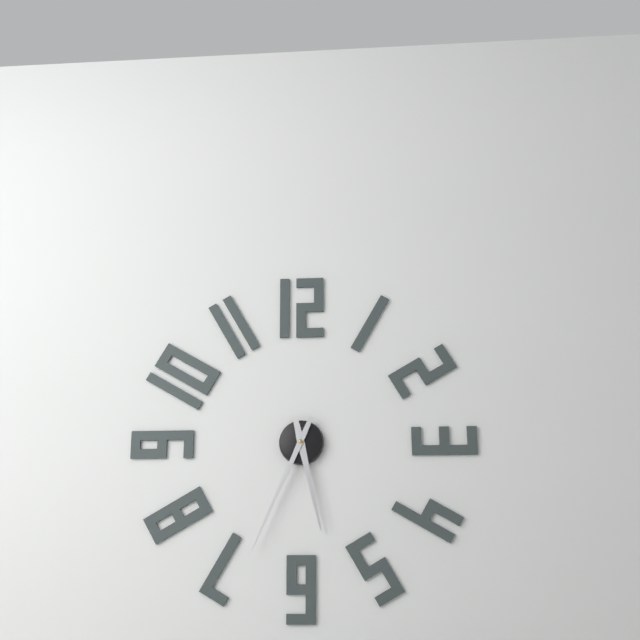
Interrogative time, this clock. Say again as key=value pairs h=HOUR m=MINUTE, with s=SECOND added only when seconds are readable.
h=5 m=34
